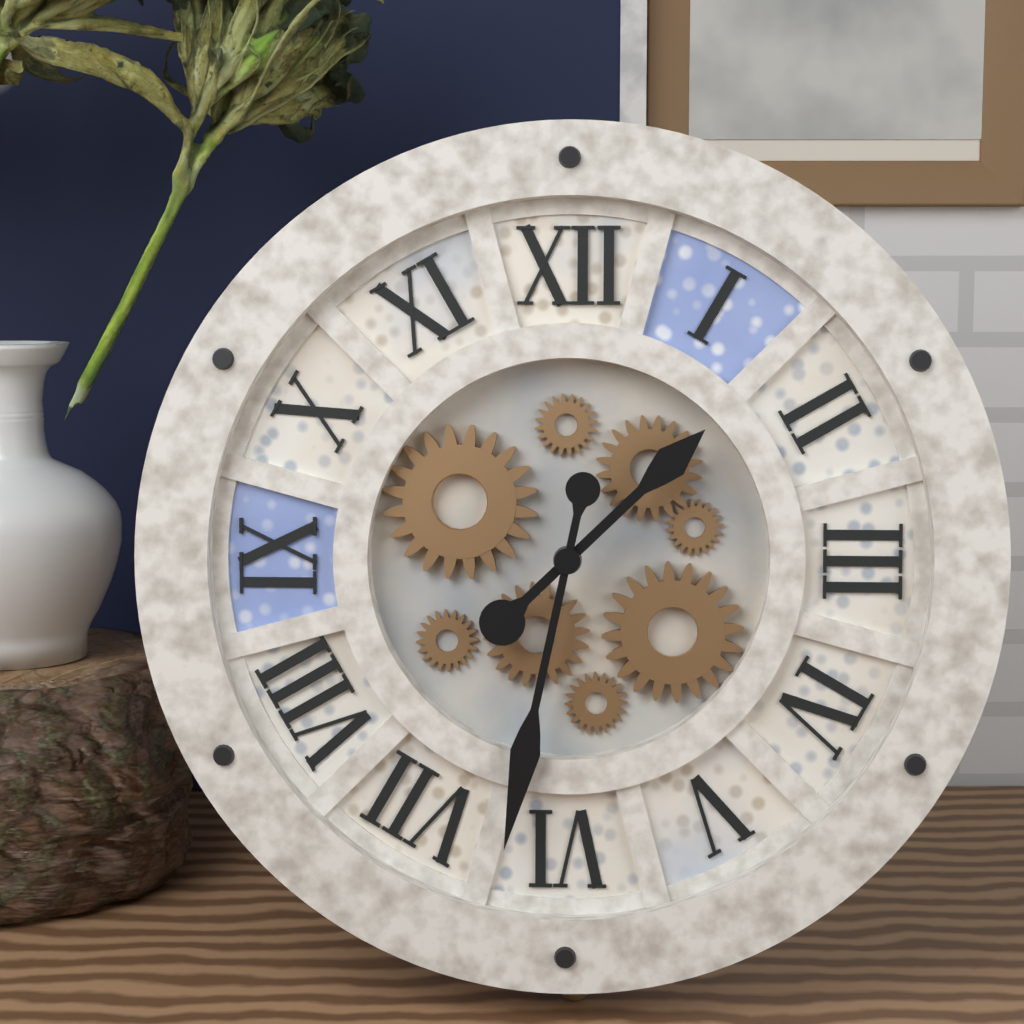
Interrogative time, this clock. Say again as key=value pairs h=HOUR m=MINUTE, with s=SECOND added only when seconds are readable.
h=1 m=32
